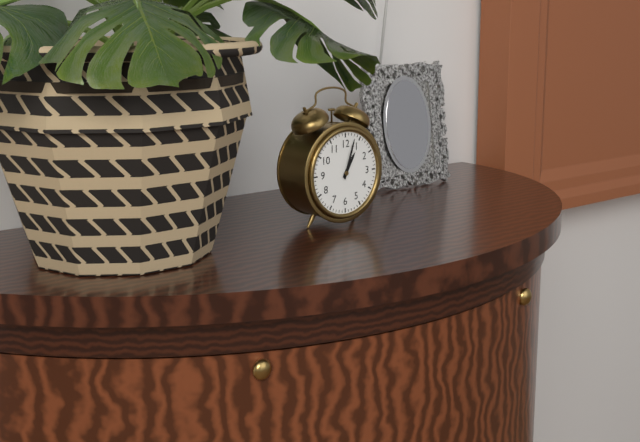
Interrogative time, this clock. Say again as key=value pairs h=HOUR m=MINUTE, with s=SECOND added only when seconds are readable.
h=1 m=3
